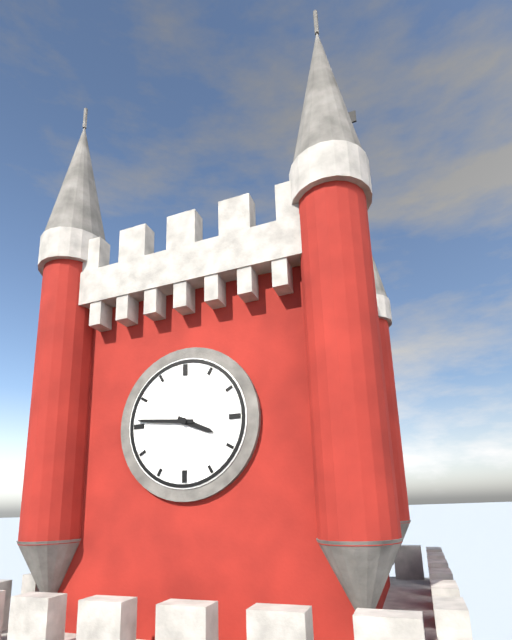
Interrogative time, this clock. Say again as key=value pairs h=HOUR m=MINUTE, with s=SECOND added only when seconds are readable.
h=3 m=46
